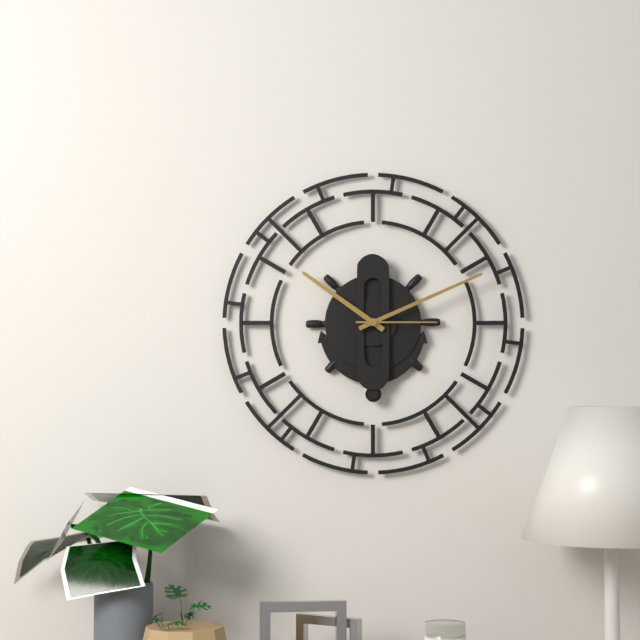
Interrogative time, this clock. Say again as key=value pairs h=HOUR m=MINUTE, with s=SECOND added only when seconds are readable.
h=10 m=11 s=15
